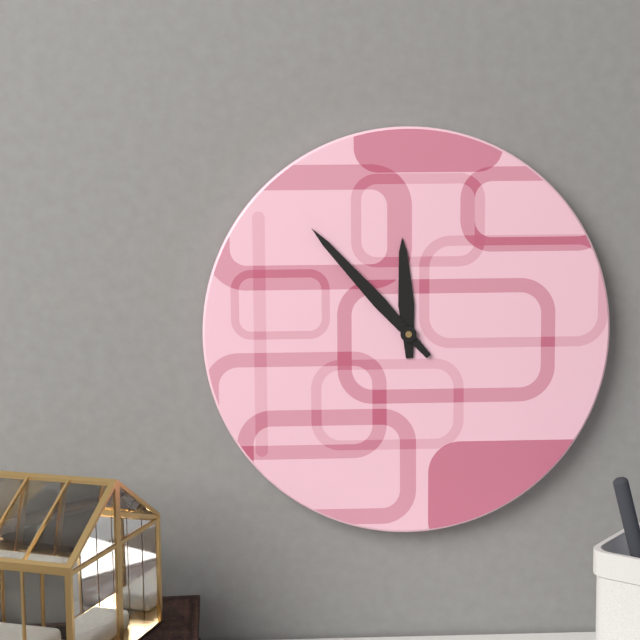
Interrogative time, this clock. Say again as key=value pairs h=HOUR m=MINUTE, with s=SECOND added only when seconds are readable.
h=11 m=53
